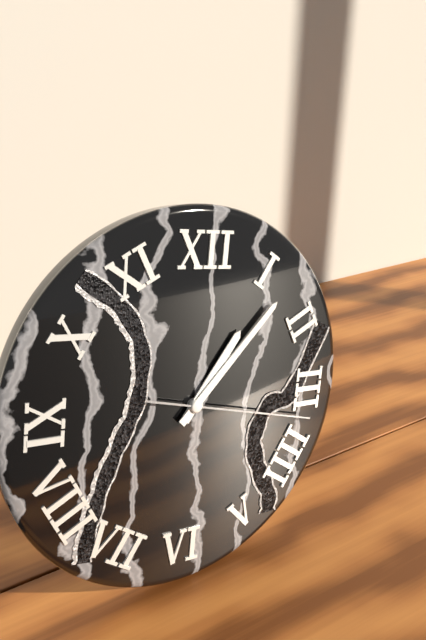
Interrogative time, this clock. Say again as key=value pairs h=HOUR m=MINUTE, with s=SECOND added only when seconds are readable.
h=1 m=7 s=17
